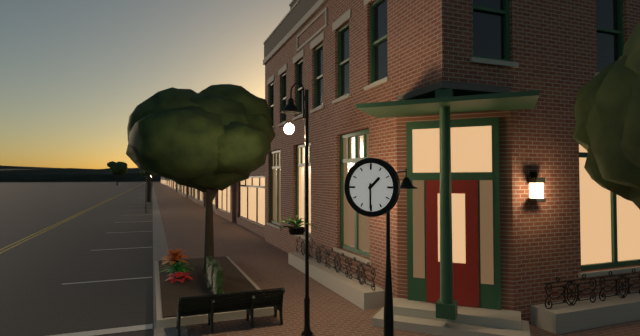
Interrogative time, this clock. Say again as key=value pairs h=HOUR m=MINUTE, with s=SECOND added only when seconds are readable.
h=1 m=30
